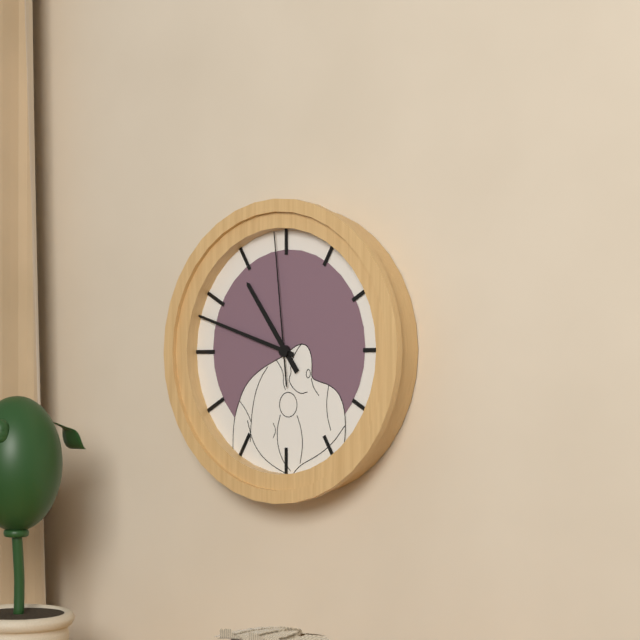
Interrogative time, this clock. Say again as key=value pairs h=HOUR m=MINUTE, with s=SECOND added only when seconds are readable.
h=10 m=48 s=59
